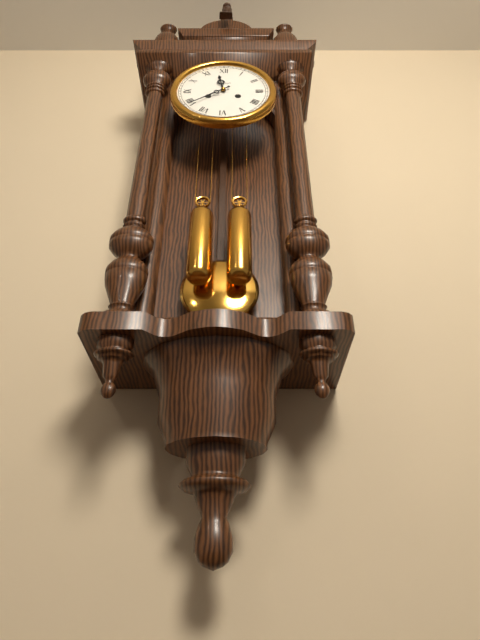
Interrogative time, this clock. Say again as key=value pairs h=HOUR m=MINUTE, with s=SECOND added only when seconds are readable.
h=11 m=39
